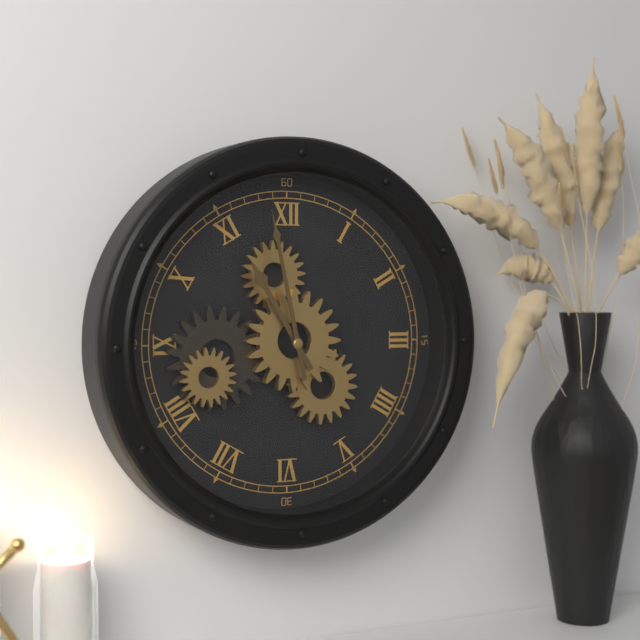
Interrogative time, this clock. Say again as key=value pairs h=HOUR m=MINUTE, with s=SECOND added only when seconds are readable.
h=10 m=58
